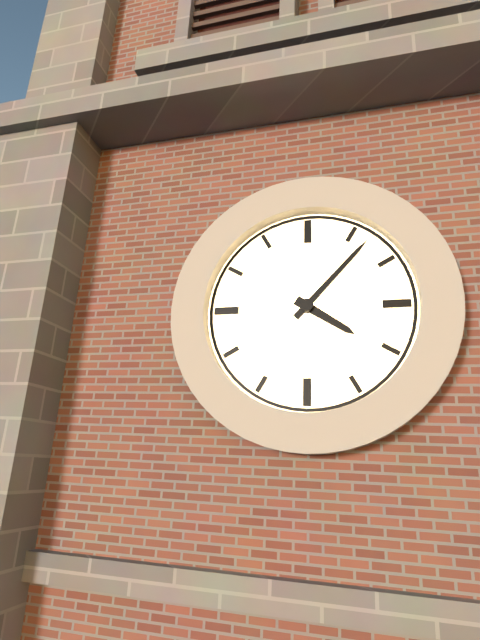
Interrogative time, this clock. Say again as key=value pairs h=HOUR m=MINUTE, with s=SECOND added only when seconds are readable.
h=4 m=7
